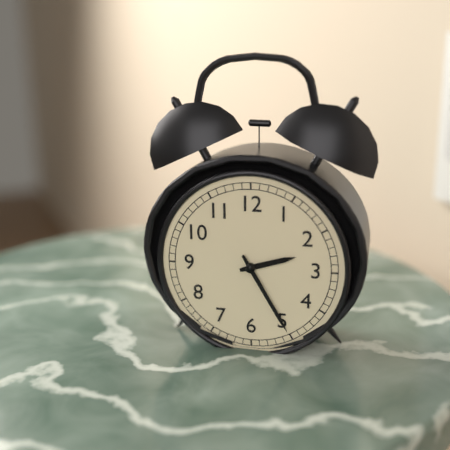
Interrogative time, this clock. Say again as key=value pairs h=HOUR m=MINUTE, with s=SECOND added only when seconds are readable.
h=2 m=25
